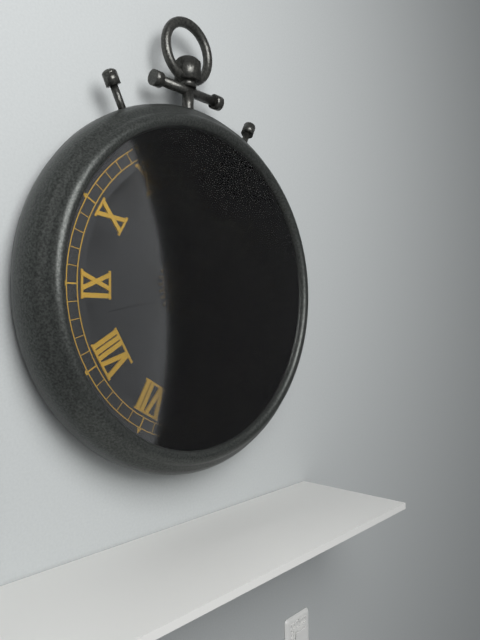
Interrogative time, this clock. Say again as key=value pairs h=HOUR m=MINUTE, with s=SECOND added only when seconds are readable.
h=10 m=22 s=43
